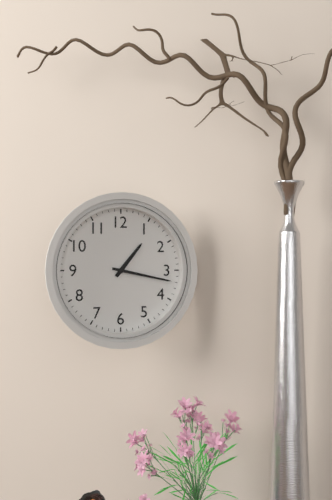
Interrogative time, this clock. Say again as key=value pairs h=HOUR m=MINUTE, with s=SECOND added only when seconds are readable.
h=1 m=17
